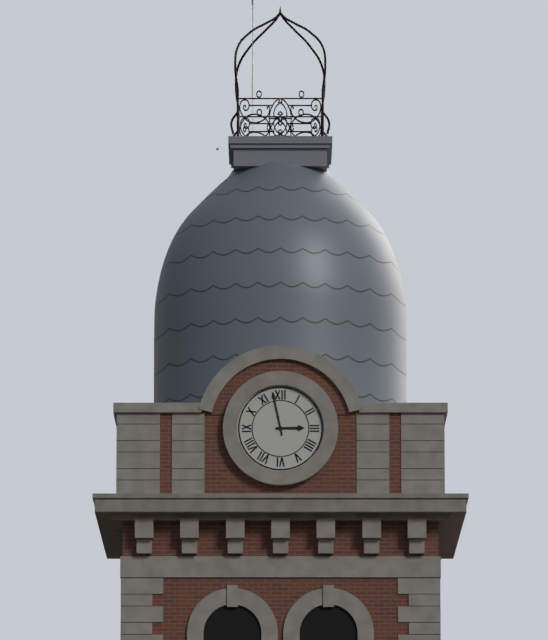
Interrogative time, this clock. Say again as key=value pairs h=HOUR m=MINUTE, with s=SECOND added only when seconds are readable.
h=2 m=58
